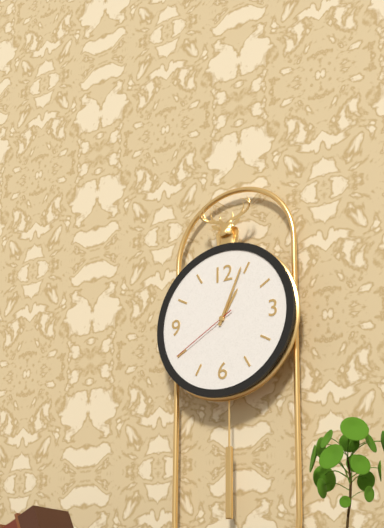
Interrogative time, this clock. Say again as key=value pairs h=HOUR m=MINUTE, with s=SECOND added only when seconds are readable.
h=1 m=4 s=40
